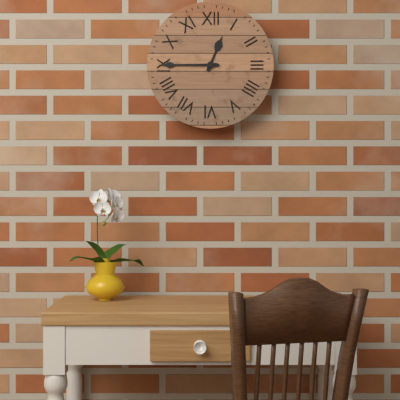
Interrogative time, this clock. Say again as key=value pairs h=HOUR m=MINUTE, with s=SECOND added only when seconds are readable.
h=12 m=45
